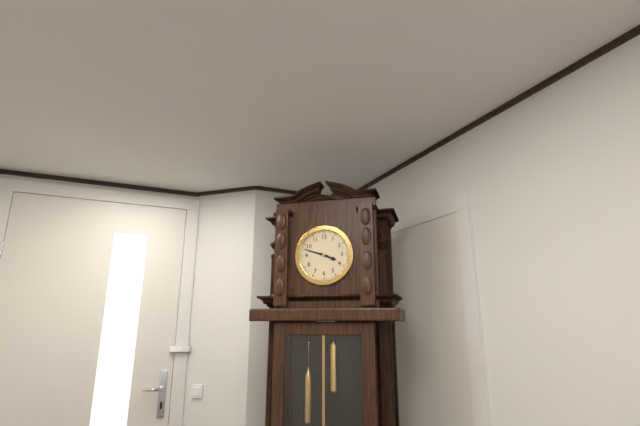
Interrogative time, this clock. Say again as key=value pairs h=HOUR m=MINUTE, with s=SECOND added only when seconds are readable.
h=3 m=48
